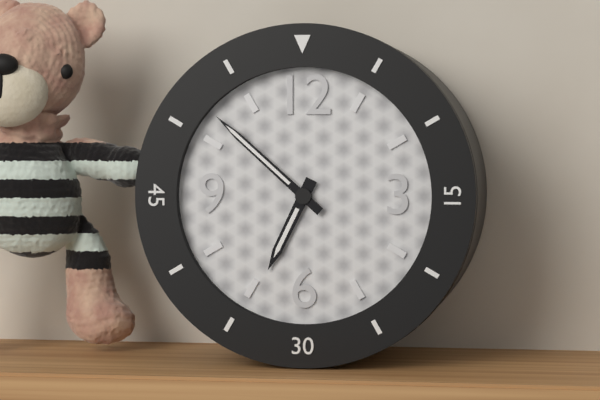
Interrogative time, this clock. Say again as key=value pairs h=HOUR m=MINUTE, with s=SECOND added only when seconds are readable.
h=6 m=52
